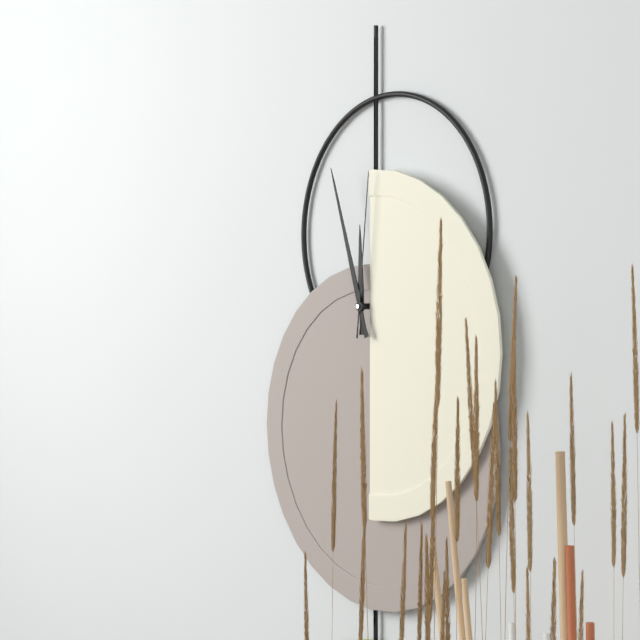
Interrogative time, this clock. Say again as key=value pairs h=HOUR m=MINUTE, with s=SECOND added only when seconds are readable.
h=11 m=57 s=1
